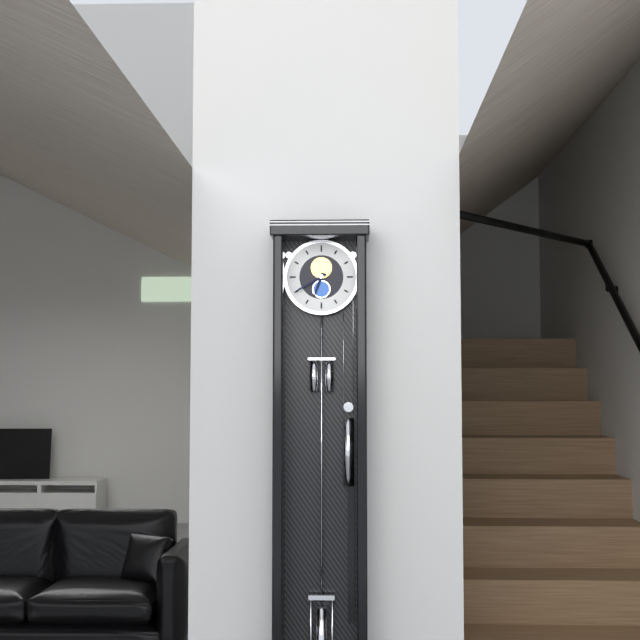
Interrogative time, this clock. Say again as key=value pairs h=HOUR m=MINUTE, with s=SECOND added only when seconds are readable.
h=6 m=40
